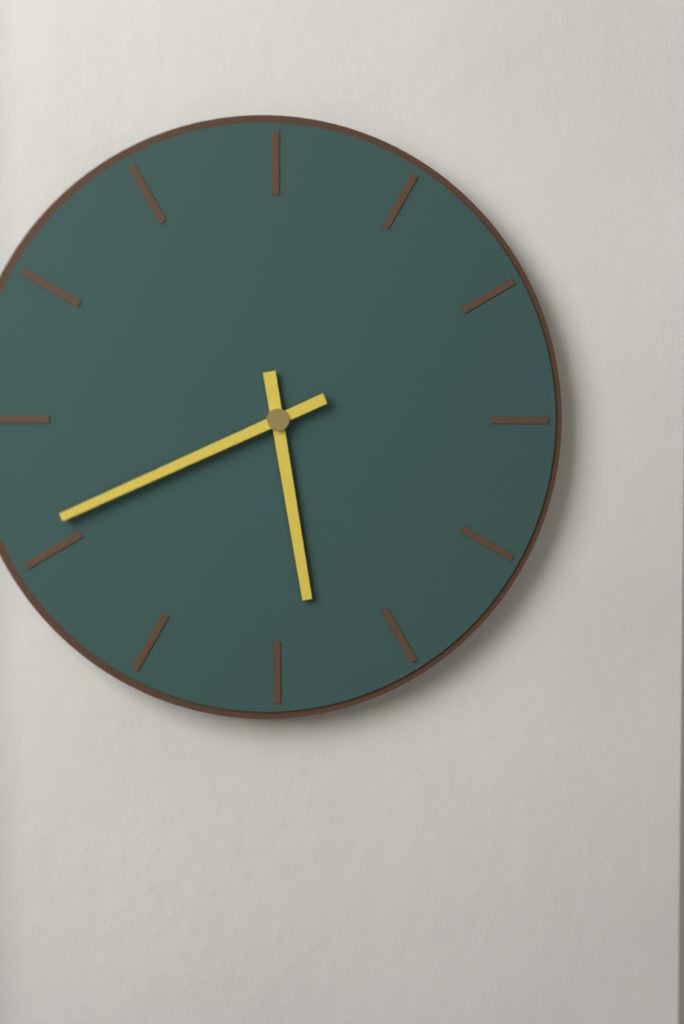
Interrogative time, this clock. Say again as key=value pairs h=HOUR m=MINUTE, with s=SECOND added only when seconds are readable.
h=5 m=41
